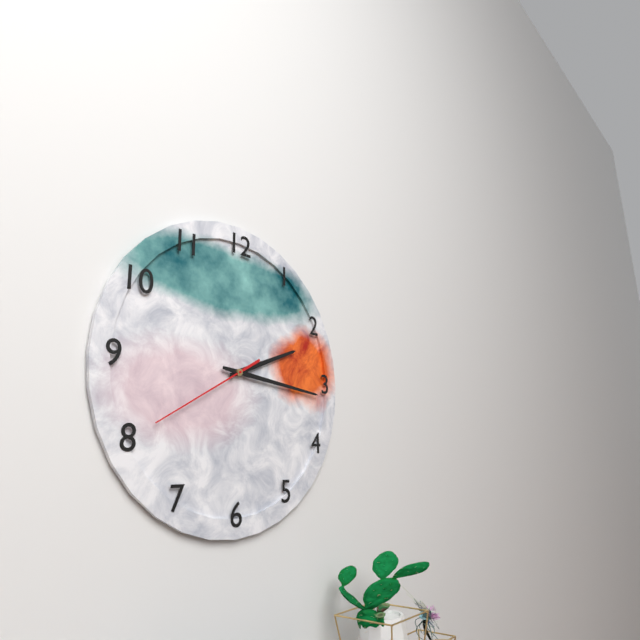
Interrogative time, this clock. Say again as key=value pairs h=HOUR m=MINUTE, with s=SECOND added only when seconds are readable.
h=2 m=16 s=40
